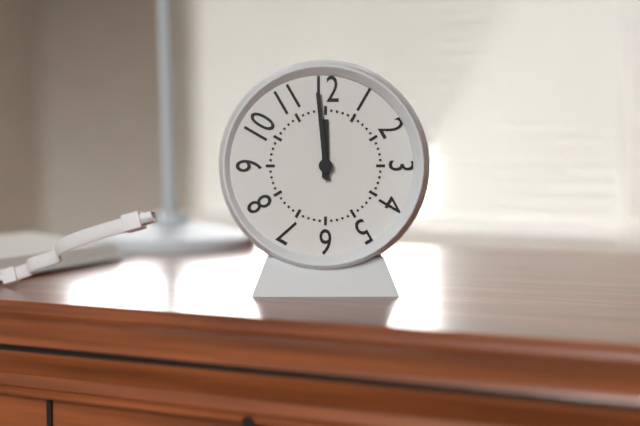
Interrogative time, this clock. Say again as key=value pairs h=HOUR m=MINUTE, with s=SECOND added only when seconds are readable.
h=11 m=59
